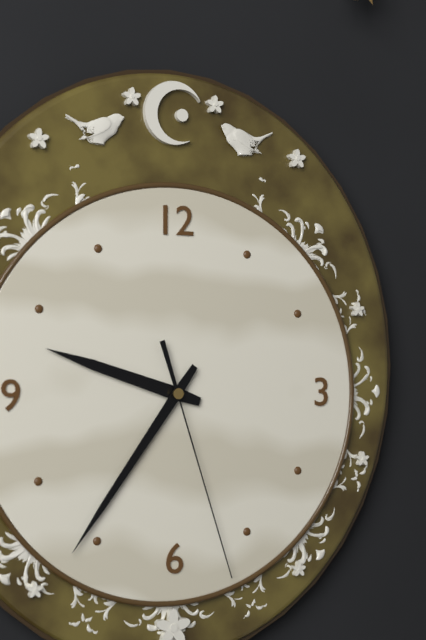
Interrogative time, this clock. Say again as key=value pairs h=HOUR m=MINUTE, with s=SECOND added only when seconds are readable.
h=9 m=36 s=27
